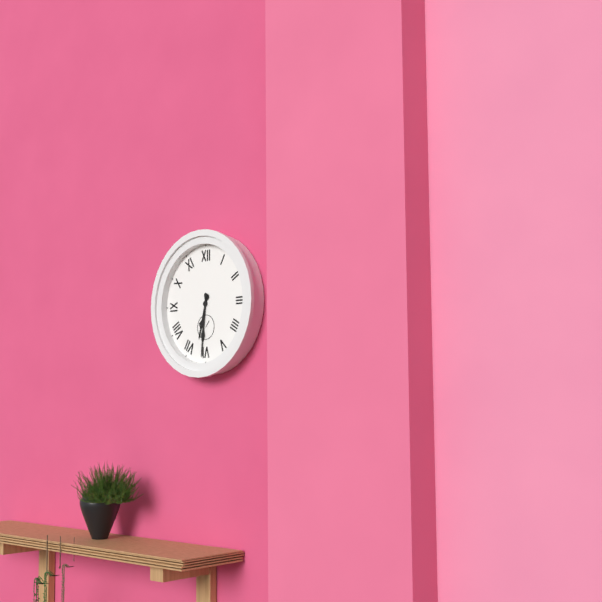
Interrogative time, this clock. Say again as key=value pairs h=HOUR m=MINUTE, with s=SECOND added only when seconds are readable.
h=6 m=31
